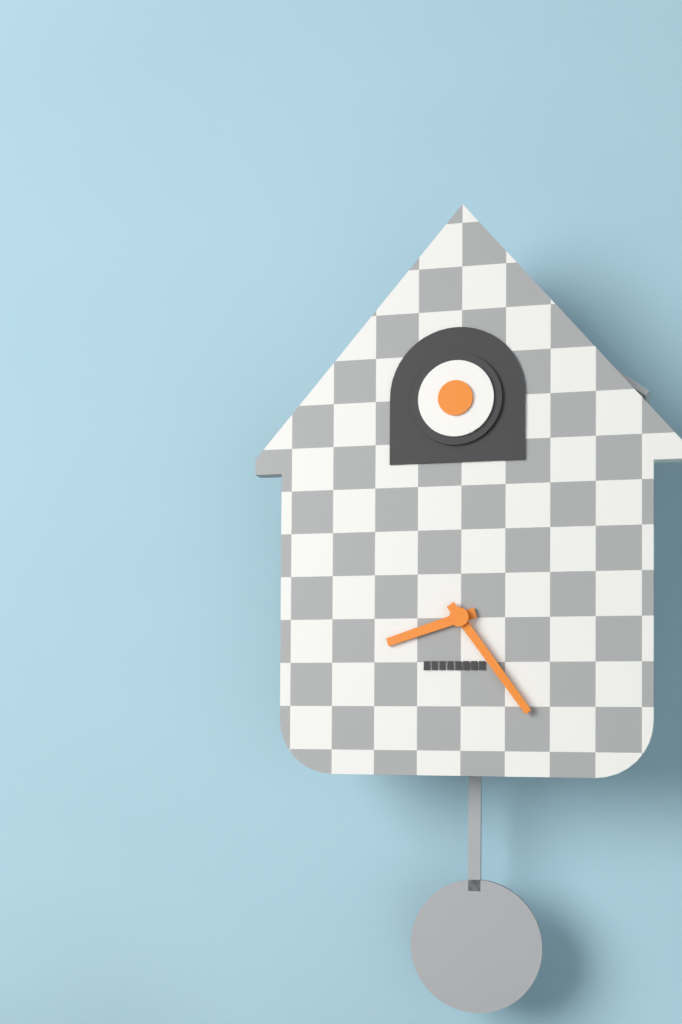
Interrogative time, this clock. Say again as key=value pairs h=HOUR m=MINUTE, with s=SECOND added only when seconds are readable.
h=8 m=24
